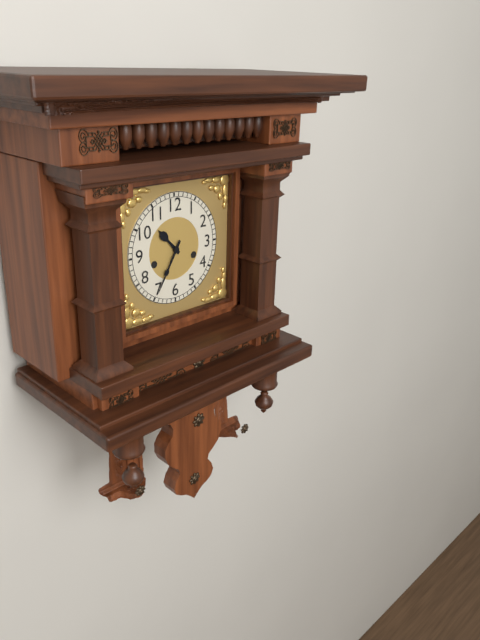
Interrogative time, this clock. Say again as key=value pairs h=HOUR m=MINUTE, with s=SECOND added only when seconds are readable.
h=10 m=35
